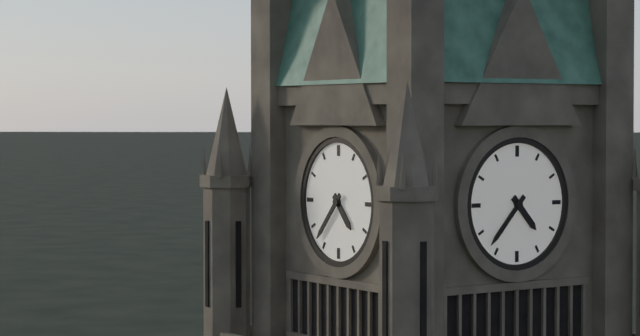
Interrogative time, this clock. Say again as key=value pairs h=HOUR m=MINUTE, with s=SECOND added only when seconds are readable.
h=4 m=37
